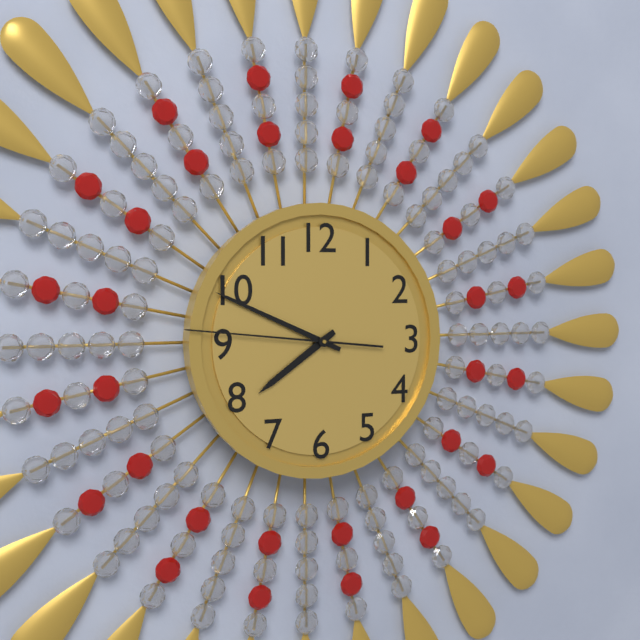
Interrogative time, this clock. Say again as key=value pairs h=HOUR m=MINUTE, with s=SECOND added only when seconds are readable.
h=7 m=49 s=46
